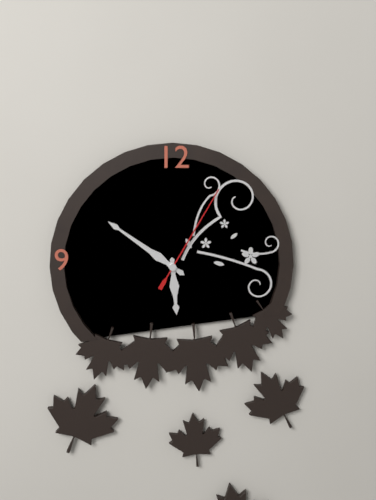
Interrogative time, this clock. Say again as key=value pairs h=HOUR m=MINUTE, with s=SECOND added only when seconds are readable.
h=5 m=51 s=5
